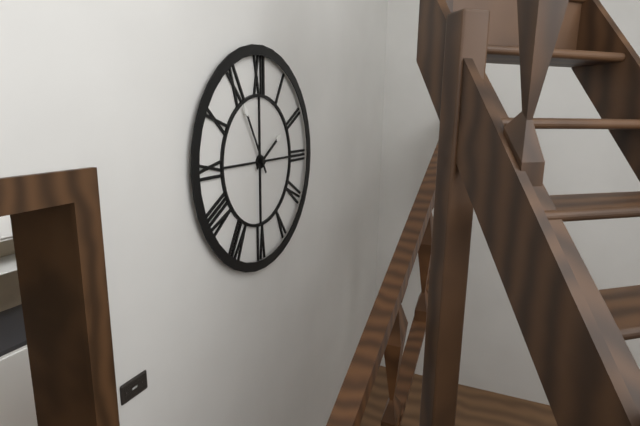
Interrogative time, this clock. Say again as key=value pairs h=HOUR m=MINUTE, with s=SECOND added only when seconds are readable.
h=1 m=55
